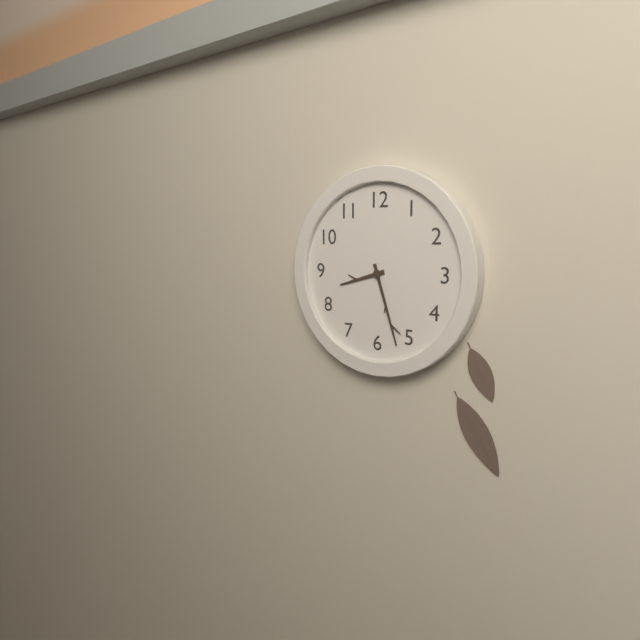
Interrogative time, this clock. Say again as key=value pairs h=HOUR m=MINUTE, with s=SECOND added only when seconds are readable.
h=8 m=27
